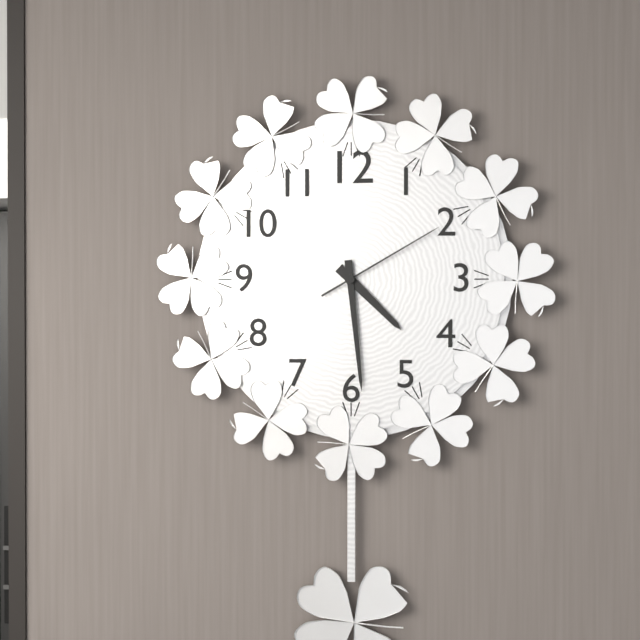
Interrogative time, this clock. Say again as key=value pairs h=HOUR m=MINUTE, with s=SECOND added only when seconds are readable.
h=4 m=29 s=10
